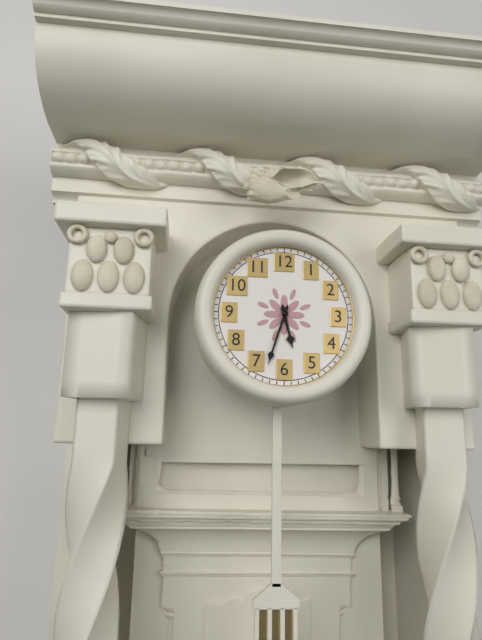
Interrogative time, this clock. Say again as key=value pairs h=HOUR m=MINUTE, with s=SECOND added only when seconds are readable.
h=5 m=33
